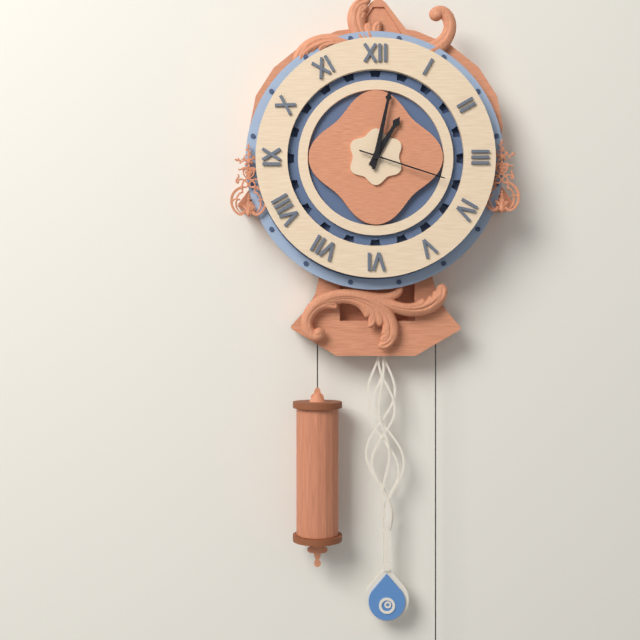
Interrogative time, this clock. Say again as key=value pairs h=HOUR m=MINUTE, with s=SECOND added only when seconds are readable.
h=1 m=2 s=18
